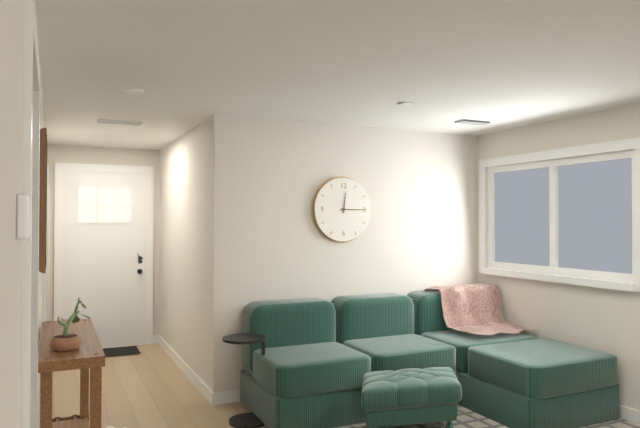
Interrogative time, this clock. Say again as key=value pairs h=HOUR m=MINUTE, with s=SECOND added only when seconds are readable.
h=12 m=15
